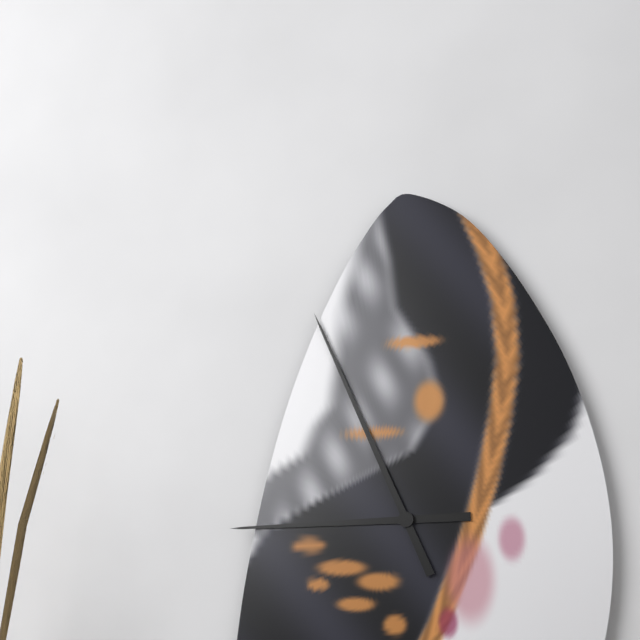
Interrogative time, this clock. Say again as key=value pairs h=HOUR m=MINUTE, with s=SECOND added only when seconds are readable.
h=8 m=56
